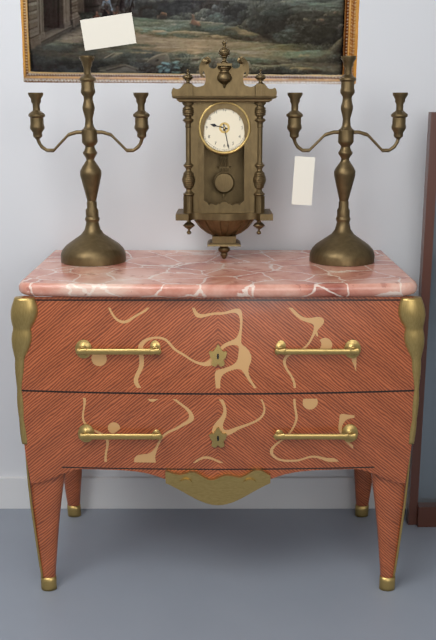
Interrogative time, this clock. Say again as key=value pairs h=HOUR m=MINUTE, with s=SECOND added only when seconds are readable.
h=9 m=28
